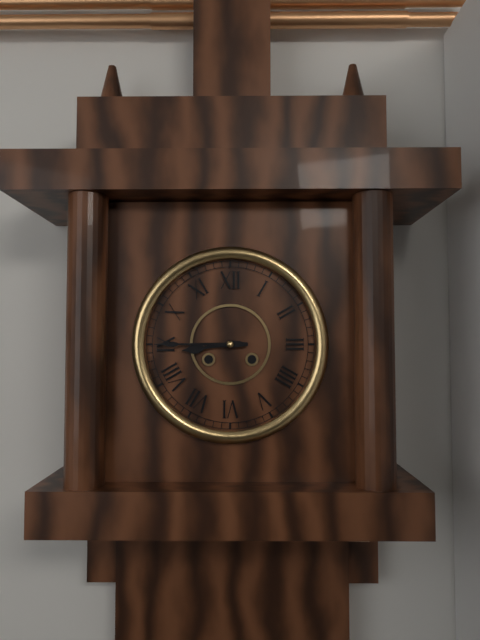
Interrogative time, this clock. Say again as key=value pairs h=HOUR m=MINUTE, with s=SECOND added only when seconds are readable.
h=8 m=45
